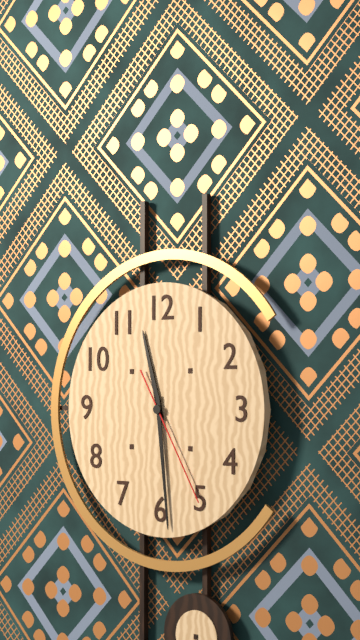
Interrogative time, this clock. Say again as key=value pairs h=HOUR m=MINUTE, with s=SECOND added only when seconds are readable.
h=11 m=29 s=25
